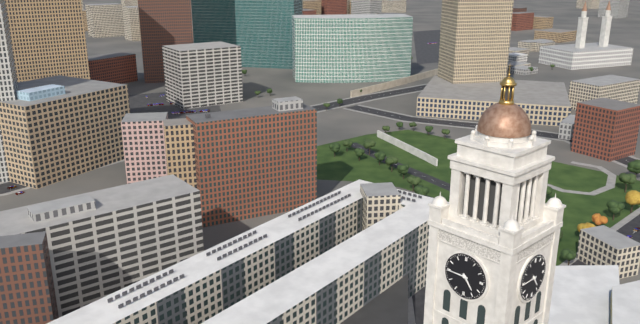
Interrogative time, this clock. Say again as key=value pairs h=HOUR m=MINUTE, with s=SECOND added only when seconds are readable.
h=4 m=45
